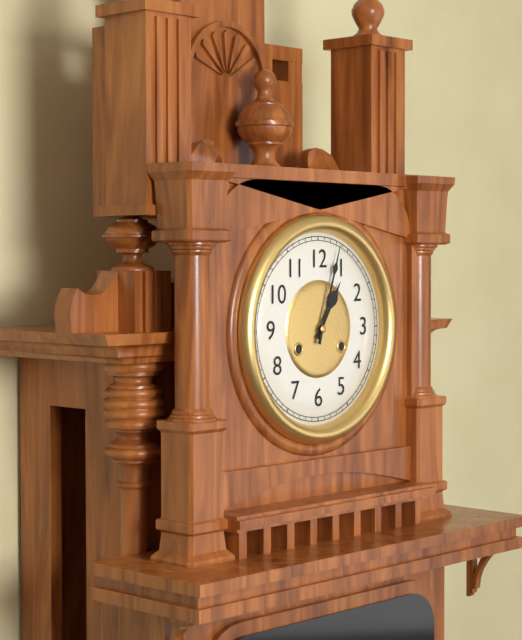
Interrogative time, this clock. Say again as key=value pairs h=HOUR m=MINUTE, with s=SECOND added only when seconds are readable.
h=1 m=3
